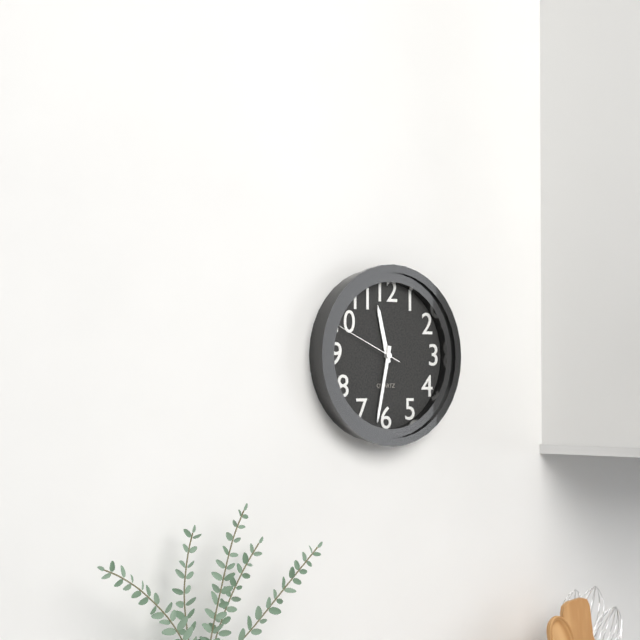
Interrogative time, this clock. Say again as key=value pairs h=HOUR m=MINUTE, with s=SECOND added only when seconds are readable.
h=11 m=32 s=49
